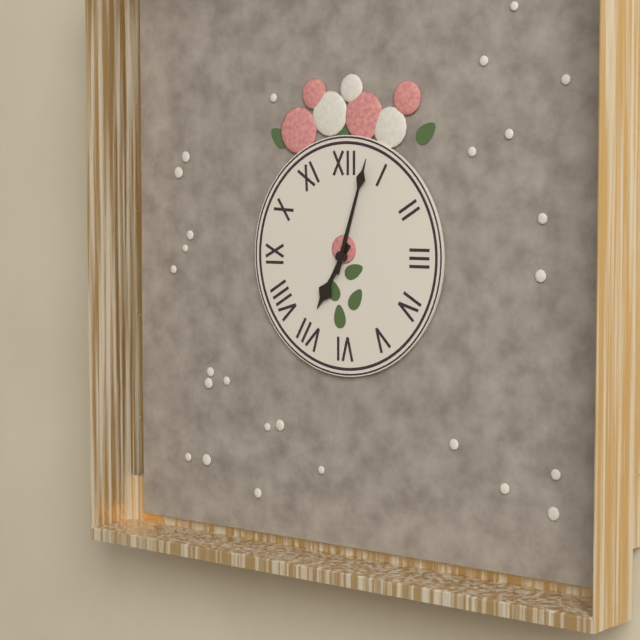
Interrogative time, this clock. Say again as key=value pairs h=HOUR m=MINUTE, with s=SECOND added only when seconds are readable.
h=7 m=3
